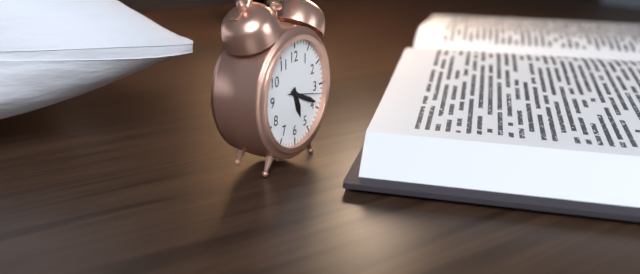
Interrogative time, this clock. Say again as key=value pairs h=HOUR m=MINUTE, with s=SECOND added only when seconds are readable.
h=5 m=19
